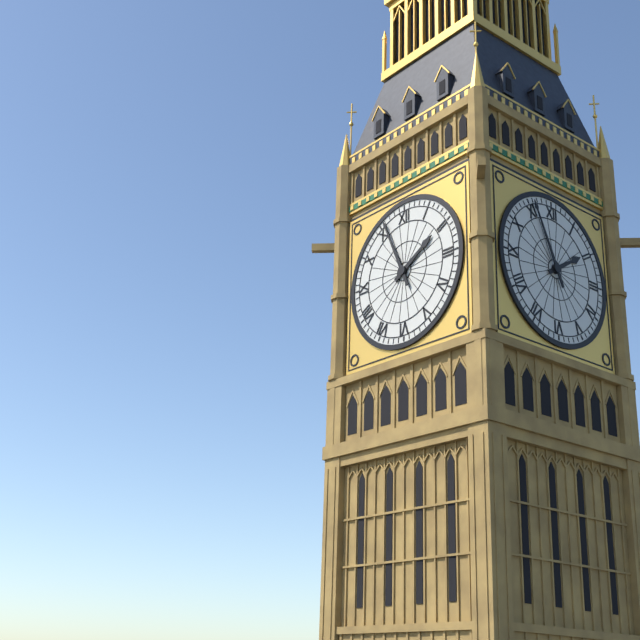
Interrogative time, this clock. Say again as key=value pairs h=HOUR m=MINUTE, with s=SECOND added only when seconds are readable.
h=1 m=56
